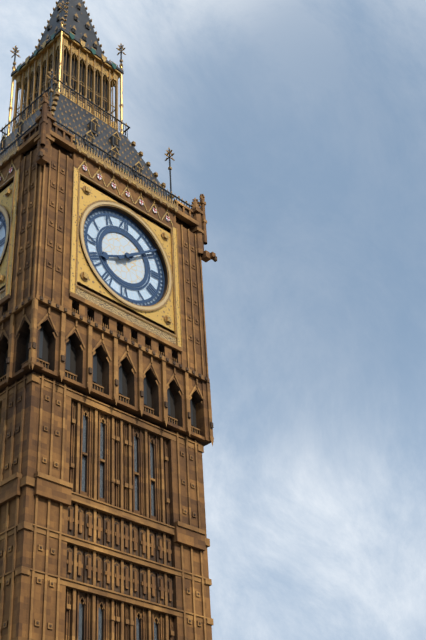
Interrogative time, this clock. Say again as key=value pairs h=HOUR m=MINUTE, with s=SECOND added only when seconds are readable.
h=8 m=9
